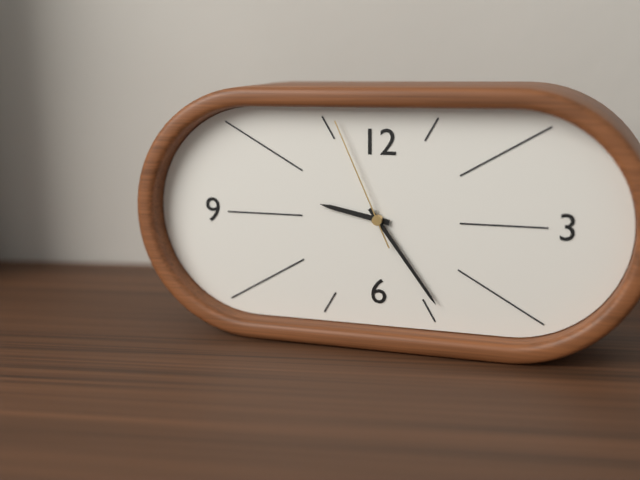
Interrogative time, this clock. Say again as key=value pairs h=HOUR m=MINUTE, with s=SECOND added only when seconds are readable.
h=9 m=24 s=56
